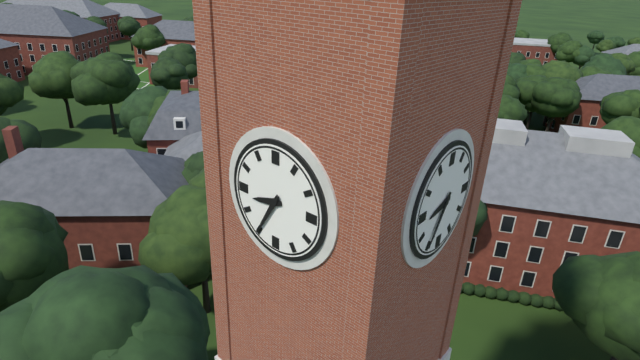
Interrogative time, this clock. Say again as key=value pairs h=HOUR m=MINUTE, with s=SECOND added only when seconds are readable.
h=8 m=35
